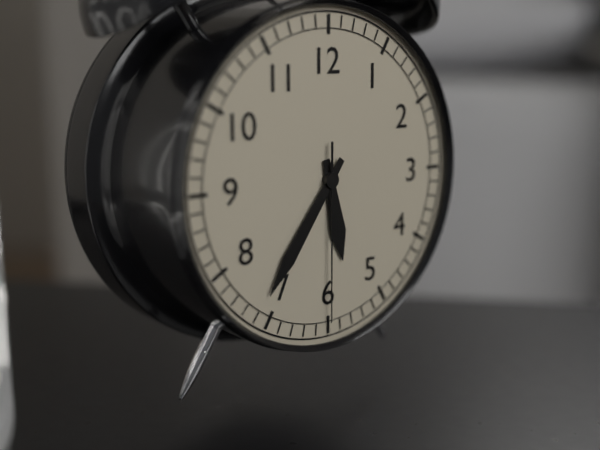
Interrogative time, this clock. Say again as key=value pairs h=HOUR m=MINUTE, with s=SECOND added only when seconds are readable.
h=5 m=36 s=30
